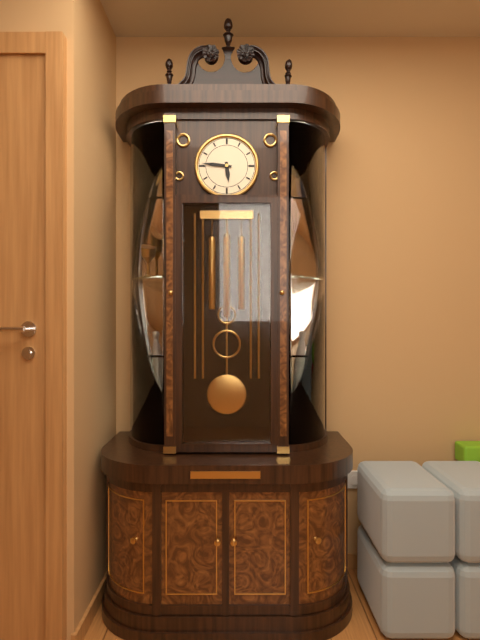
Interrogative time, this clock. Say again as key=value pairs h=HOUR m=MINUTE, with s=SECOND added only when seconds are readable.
h=5 m=46
